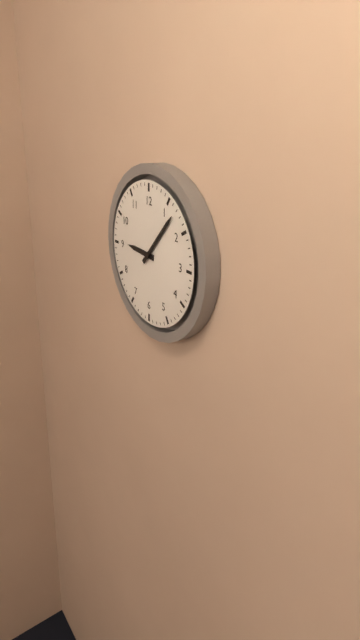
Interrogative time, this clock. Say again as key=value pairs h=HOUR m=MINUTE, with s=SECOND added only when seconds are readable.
h=9 m=7
